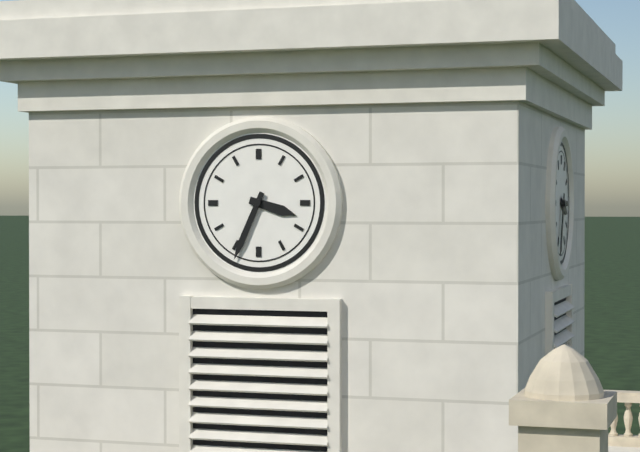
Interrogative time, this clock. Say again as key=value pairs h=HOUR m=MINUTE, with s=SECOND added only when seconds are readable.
h=3 m=34
